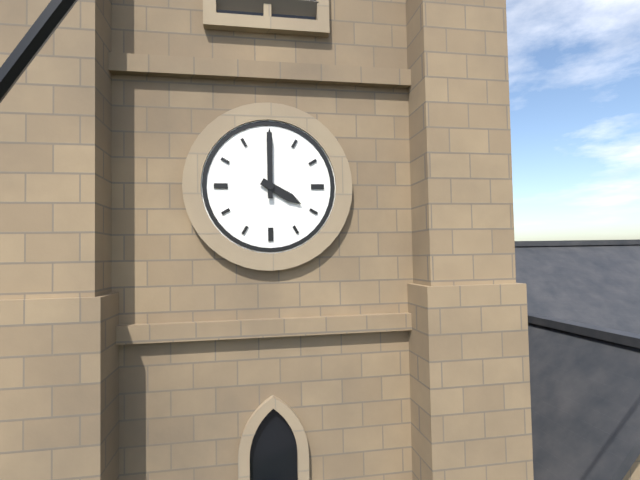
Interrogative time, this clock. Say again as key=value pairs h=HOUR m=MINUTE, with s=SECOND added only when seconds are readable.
h=4 m=0
